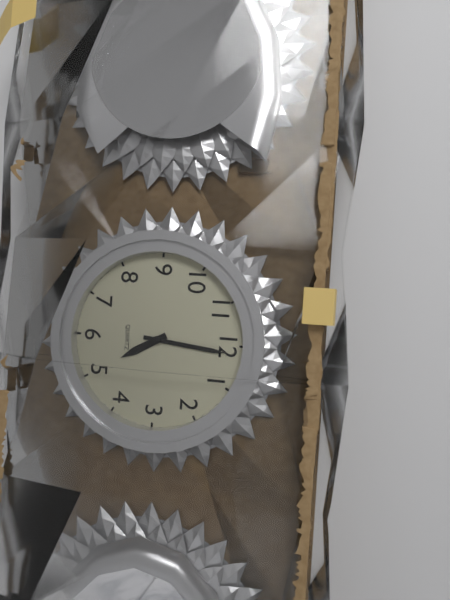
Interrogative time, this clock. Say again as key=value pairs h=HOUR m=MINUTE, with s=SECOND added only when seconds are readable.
h=5 m=1
